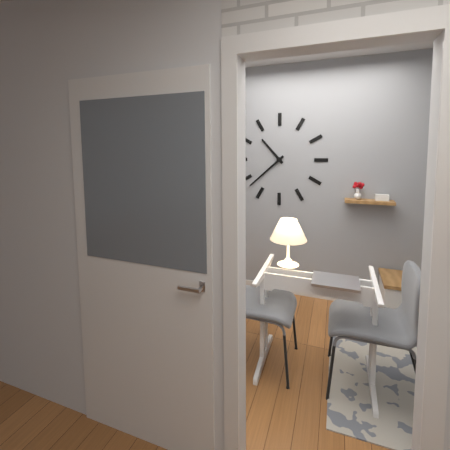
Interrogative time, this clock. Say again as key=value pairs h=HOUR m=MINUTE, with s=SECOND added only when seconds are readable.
h=10 m=38
